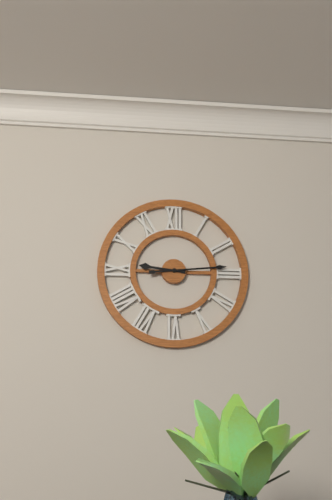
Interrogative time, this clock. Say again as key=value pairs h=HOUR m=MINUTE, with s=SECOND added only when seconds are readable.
h=9 m=14
